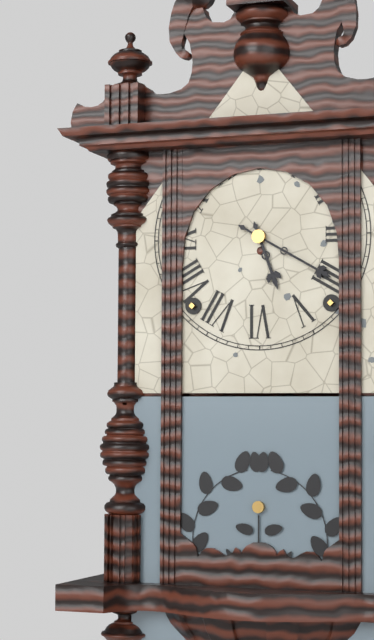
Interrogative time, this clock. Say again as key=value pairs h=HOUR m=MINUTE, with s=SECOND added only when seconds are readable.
h=5 m=20
